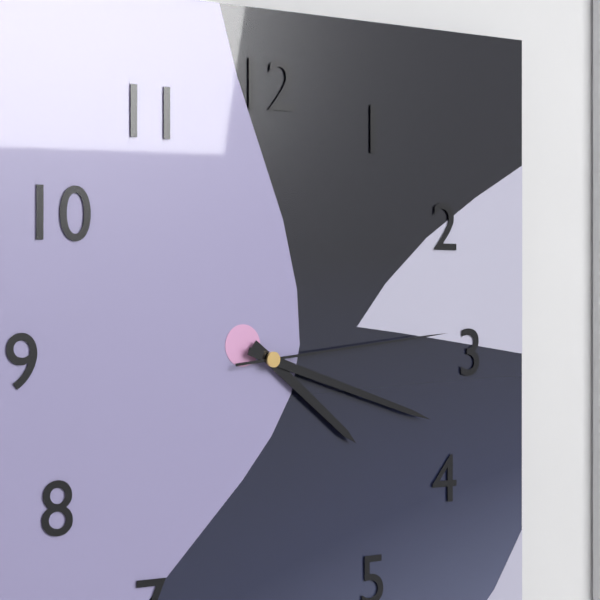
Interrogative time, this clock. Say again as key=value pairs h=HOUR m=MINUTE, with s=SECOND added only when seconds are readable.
h=4 m=18 s=14
